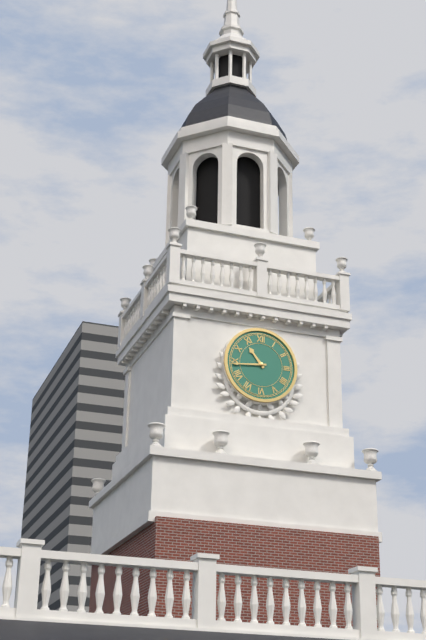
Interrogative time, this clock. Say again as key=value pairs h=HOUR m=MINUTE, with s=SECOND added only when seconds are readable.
h=10 m=44
